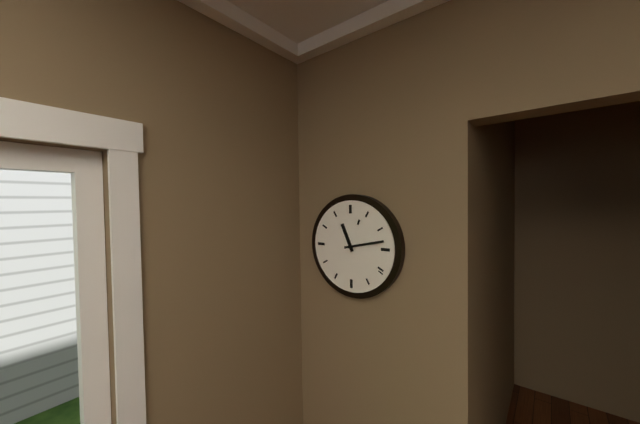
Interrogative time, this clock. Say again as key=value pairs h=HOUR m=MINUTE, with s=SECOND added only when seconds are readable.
h=11 m=13
